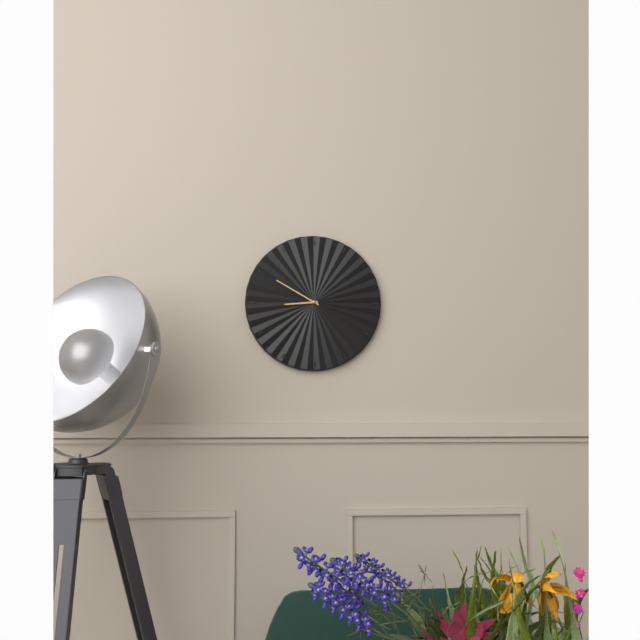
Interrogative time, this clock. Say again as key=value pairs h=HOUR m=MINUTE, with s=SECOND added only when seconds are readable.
h=8 m=50
